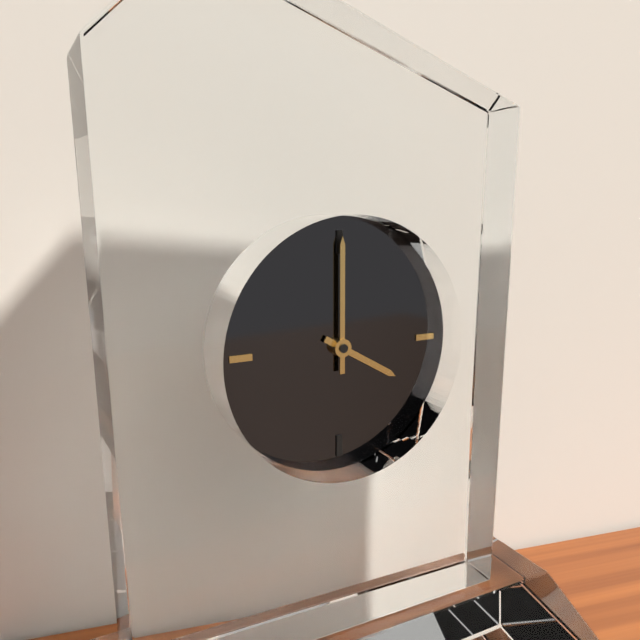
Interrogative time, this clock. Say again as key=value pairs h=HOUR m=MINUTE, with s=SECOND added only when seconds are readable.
h=4 m=0
